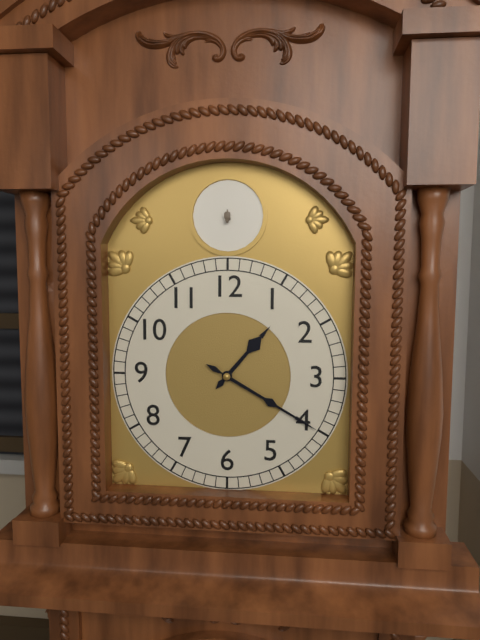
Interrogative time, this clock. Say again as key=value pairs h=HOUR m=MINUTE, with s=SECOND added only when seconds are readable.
h=1 m=20
